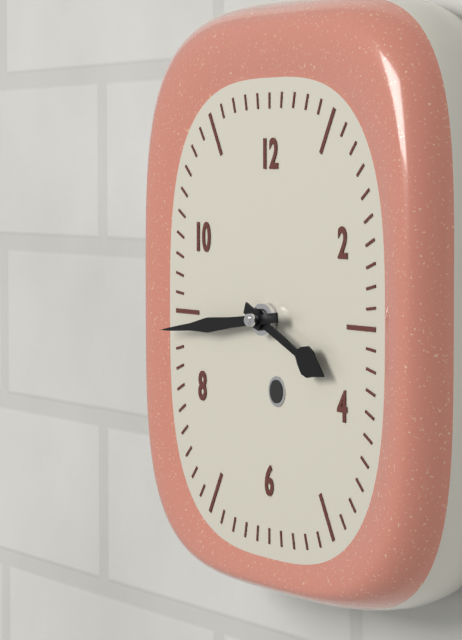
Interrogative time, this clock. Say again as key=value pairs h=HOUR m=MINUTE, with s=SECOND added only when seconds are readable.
h=3 m=44
